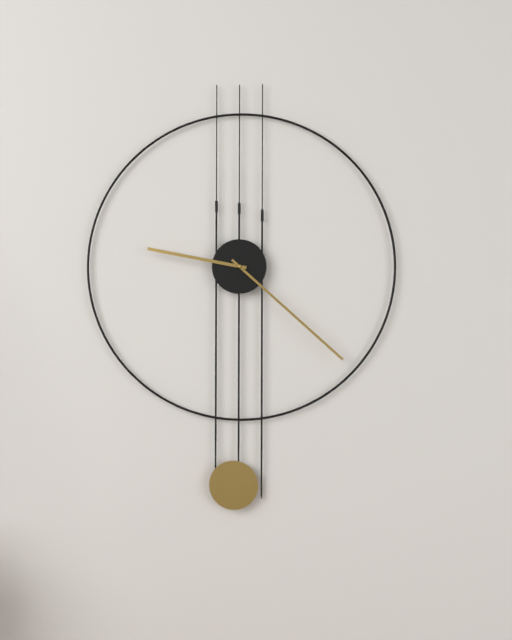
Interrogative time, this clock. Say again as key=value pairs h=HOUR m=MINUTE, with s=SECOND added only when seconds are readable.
h=9 m=22
